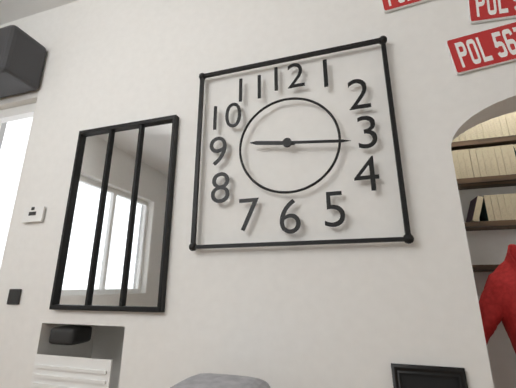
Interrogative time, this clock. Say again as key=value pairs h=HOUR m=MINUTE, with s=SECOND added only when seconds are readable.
h=9 m=16
